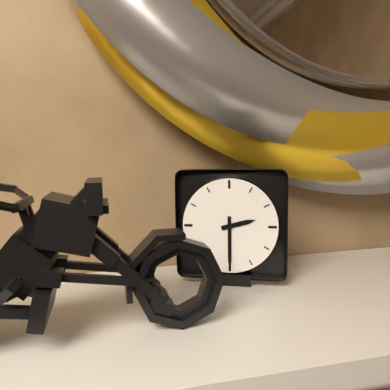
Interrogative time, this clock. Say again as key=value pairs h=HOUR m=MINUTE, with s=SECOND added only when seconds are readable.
h=2 m=30
